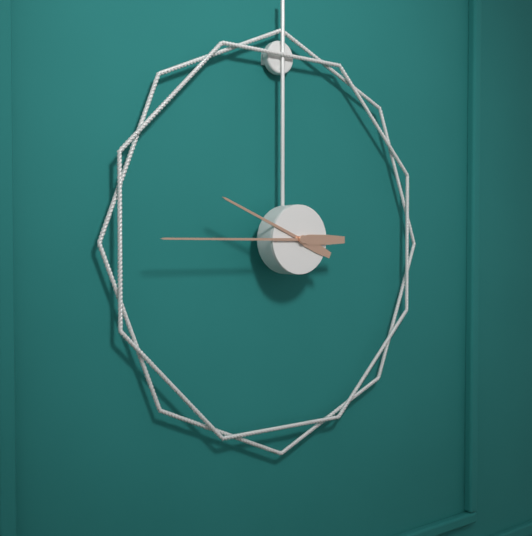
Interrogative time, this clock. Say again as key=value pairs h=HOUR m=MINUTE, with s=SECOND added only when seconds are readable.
h=9 m=45
